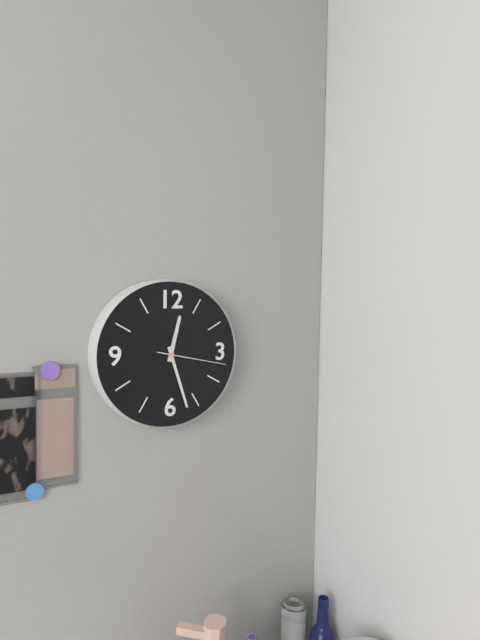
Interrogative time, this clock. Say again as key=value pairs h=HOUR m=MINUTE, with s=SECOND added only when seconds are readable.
h=12 m=27 s=17
